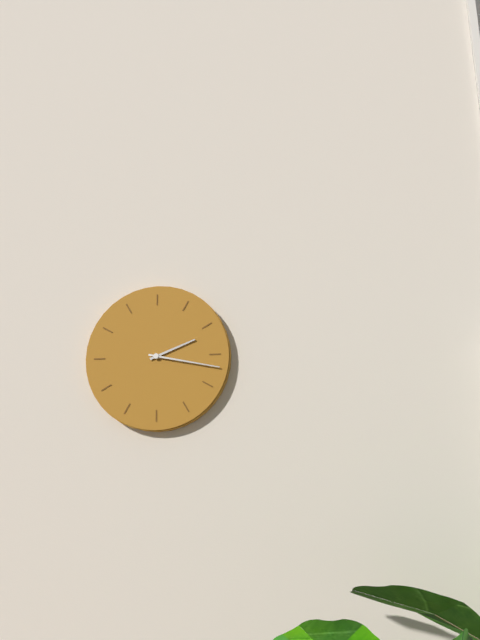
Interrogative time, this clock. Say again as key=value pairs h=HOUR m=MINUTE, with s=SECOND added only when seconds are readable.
h=2 m=17
